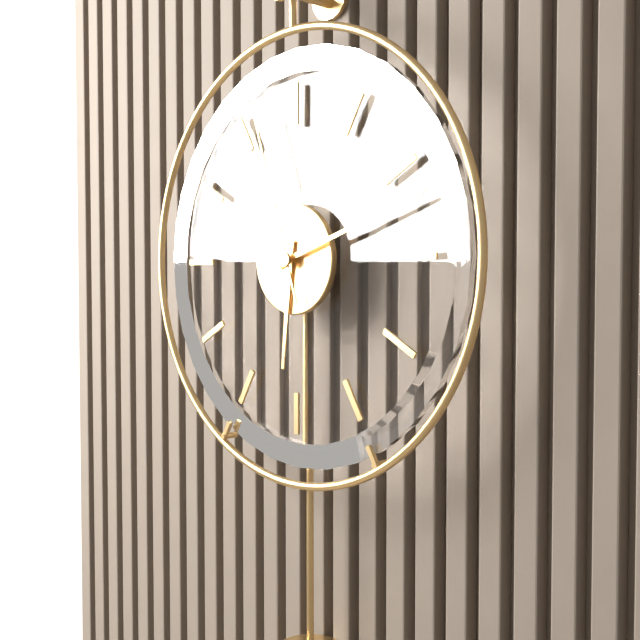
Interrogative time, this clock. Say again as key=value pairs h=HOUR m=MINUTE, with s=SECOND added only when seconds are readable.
h=6 m=12 s=57
